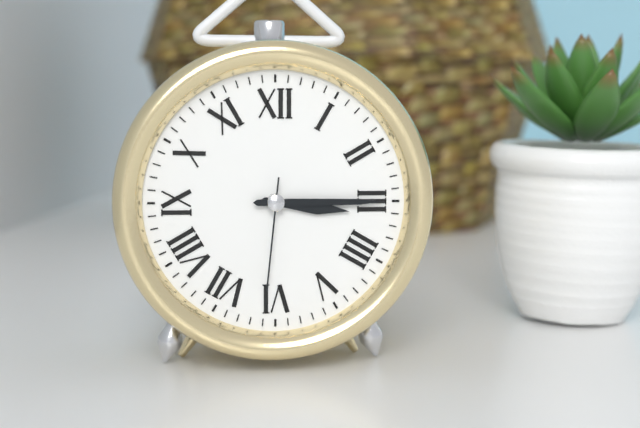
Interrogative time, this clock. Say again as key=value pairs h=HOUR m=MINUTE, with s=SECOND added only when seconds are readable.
h=3 m=15 s=31
